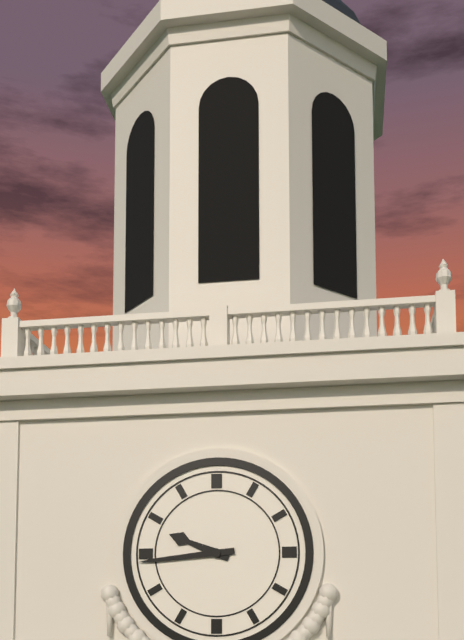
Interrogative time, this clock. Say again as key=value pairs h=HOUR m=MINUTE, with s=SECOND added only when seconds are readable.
h=9 m=44
